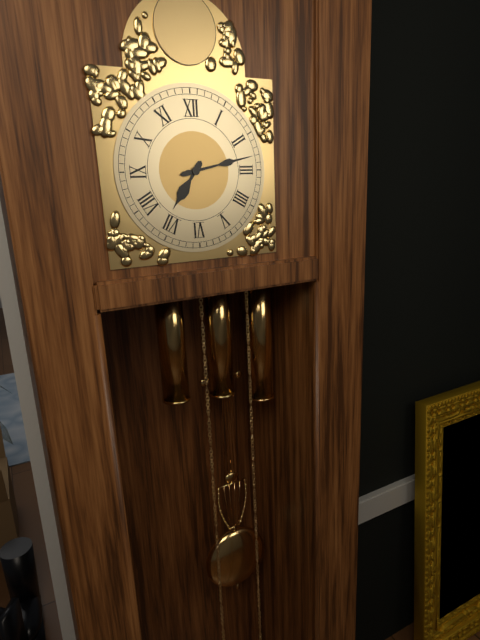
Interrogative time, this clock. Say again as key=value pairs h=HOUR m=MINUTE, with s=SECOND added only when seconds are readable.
h=7 m=13
